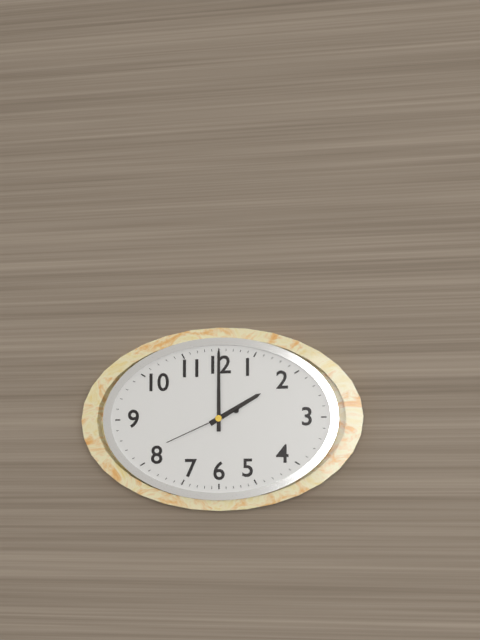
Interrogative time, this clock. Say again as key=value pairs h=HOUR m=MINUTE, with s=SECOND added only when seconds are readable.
h=2 m=0 s=41
